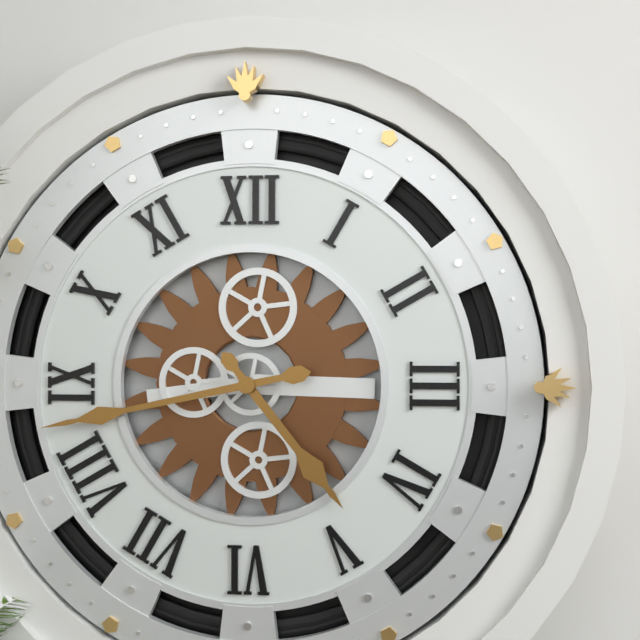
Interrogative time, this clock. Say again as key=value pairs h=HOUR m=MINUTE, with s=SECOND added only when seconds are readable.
h=4 m=43
